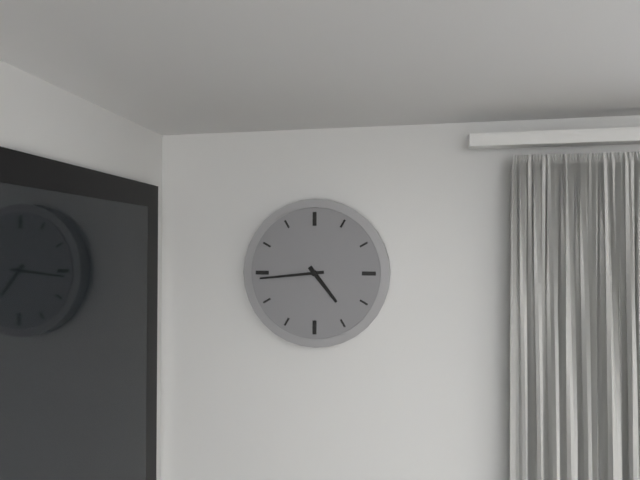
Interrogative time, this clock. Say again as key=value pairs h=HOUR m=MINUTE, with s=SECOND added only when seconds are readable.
h=4 m=44
